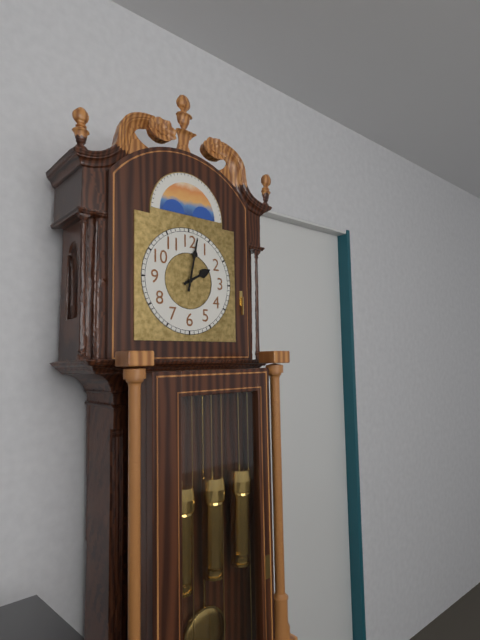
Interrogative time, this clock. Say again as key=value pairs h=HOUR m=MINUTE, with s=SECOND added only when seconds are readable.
h=2 m=2
